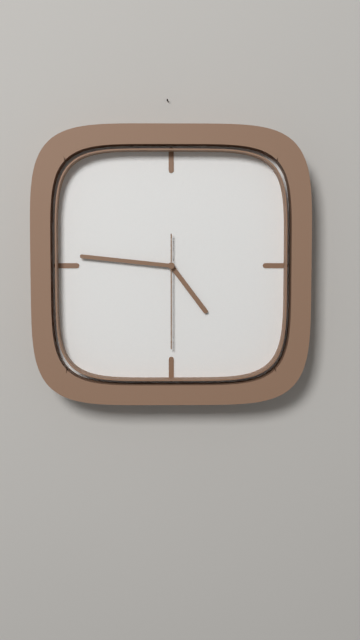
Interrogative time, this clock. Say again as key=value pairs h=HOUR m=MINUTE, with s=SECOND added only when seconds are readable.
h=4 m=46 s=30
